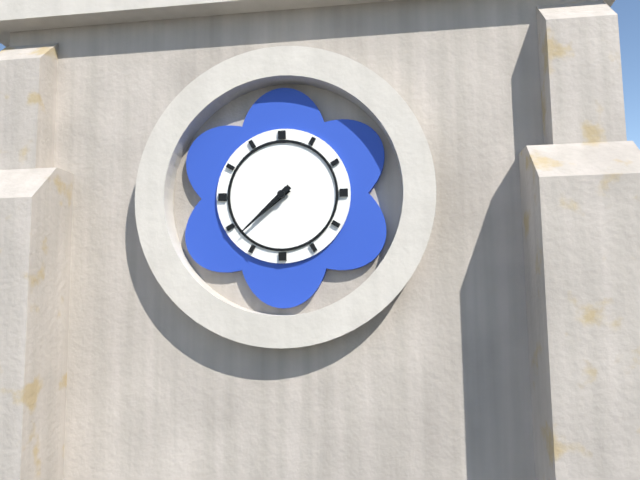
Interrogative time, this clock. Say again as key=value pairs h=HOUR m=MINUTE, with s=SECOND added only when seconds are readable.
h=7 m=38
